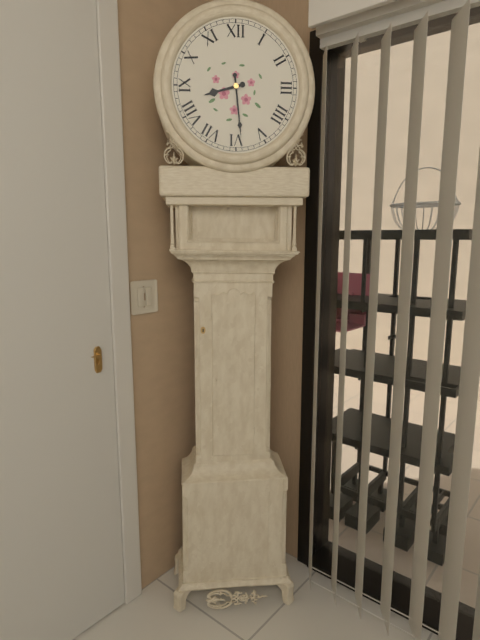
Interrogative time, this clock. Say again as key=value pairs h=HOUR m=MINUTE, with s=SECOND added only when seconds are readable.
h=8 m=29
